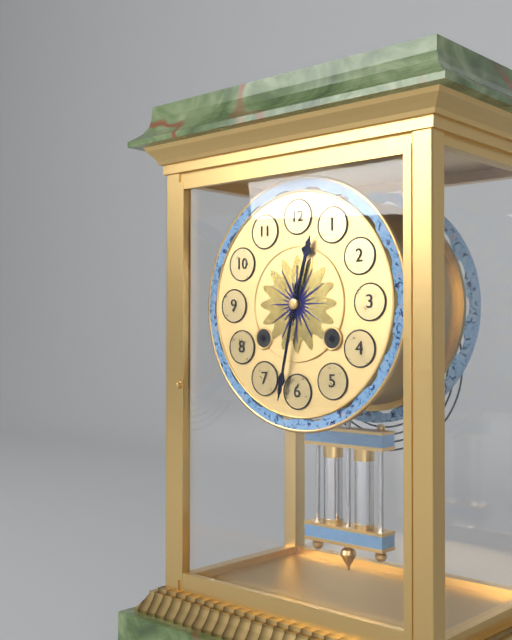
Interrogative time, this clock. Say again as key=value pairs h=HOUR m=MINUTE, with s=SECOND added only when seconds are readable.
h=12 m=32
